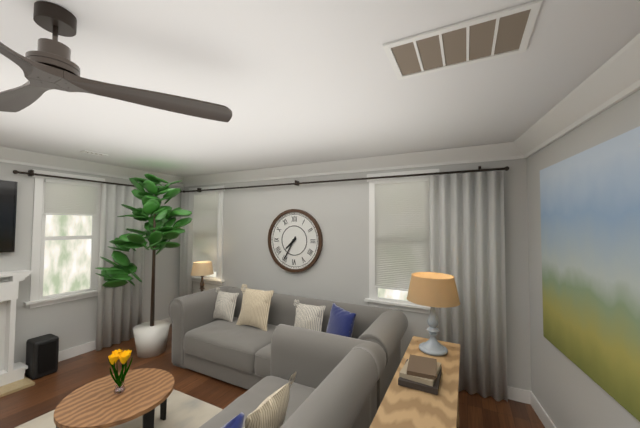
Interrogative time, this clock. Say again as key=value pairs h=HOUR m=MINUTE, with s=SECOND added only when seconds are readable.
h=7 m=35
